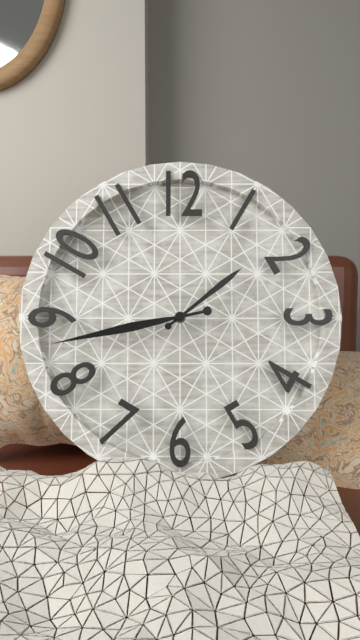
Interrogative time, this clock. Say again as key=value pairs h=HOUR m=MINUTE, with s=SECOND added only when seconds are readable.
h=1 m=43
